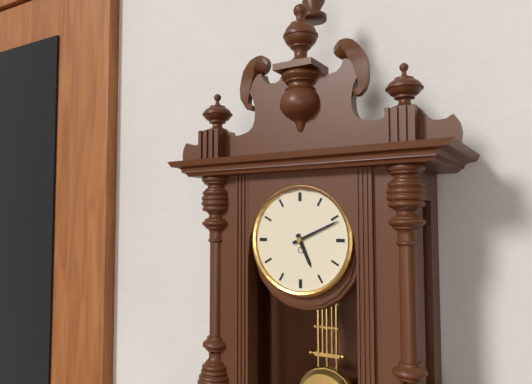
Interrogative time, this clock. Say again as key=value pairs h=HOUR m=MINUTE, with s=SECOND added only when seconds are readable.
h=5 m=11
